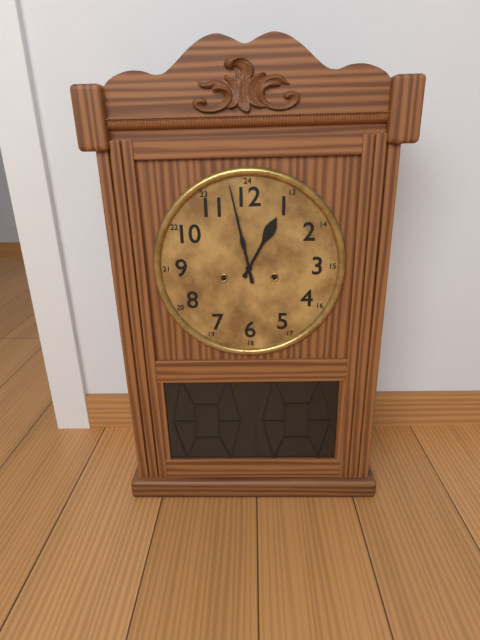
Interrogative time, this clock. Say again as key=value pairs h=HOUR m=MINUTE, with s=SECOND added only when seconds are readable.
h=12 m=58
